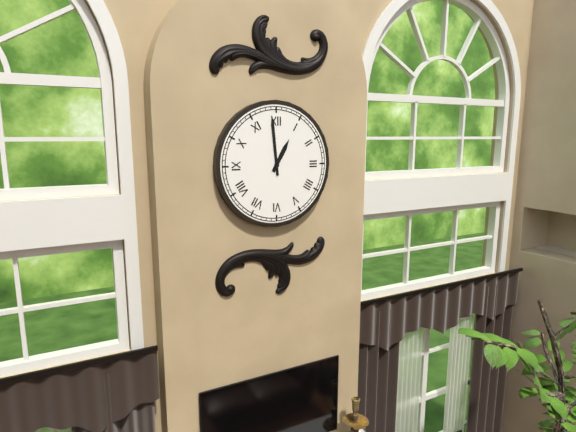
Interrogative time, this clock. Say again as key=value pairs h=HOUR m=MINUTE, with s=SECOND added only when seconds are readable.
h=12 m=59
